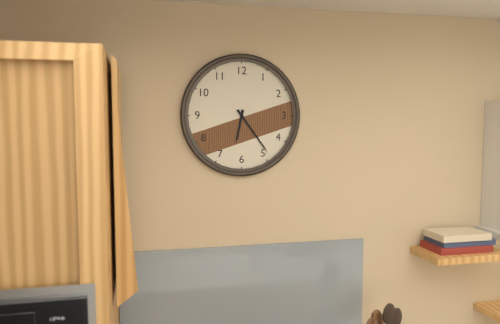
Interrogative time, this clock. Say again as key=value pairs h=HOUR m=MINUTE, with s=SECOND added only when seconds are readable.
h=6 m=24
